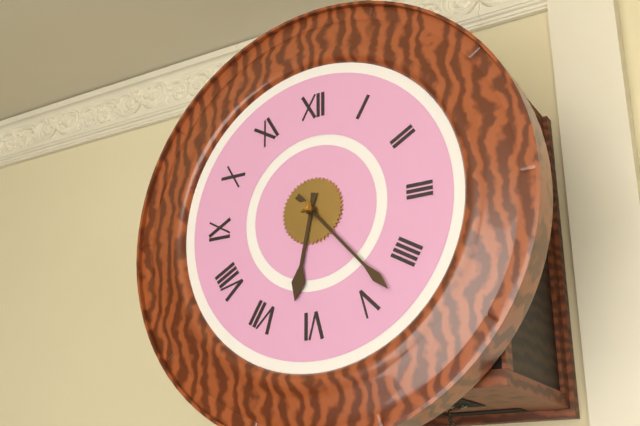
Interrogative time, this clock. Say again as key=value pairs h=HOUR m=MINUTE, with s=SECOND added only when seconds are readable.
h=6 m=23
